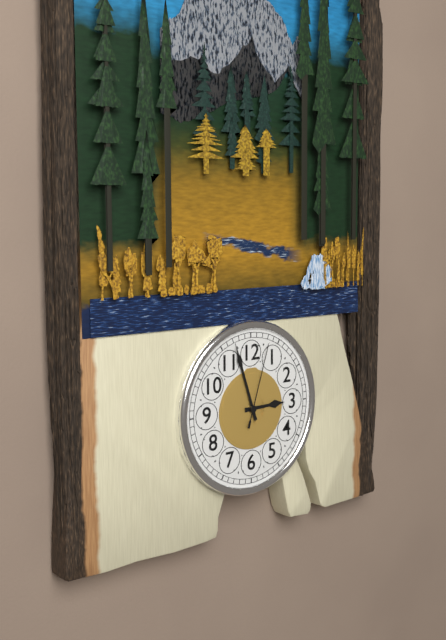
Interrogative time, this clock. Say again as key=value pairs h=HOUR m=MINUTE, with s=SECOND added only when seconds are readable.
h=2 m=57 s=3
